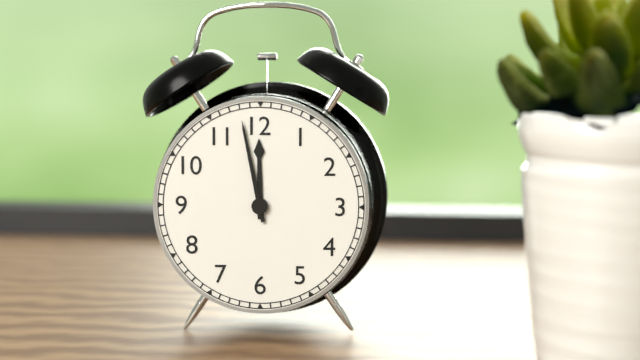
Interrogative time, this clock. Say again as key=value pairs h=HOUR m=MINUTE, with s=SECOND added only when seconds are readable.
h=11 m=58
